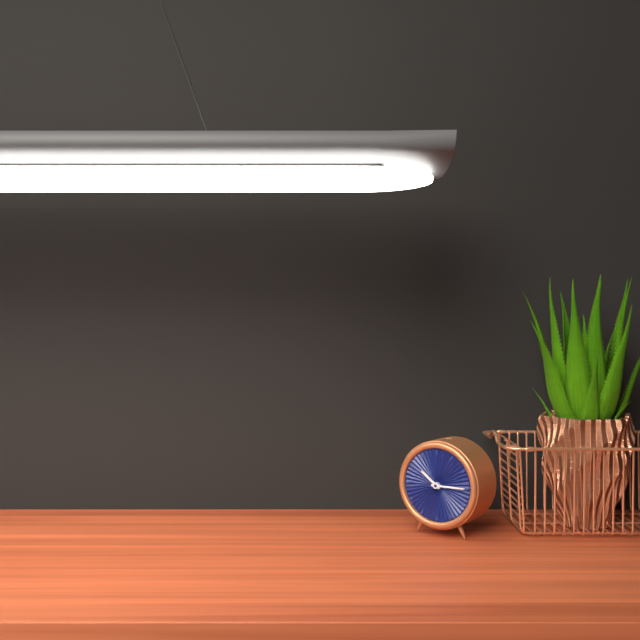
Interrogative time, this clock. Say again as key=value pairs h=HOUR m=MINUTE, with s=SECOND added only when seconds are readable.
h=10 m=15
